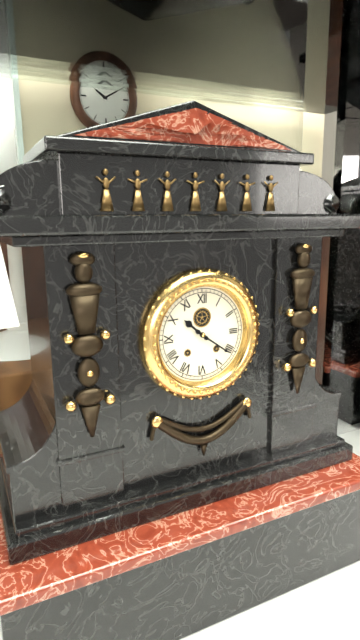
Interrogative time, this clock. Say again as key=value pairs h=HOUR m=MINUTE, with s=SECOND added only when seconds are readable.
h=10 m=21
